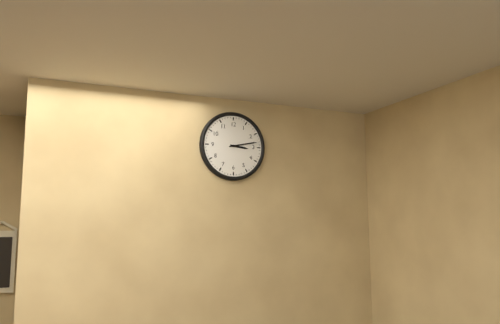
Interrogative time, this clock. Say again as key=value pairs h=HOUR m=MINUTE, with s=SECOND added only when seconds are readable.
h=3 m=13
